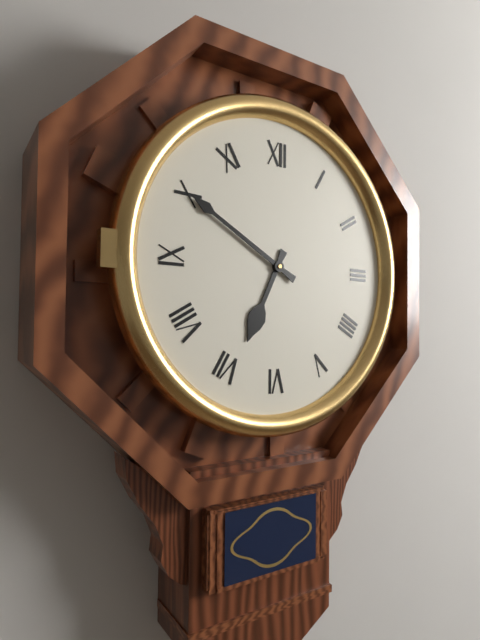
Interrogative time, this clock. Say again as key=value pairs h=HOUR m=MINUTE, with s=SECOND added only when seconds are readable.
h=6 m=50
